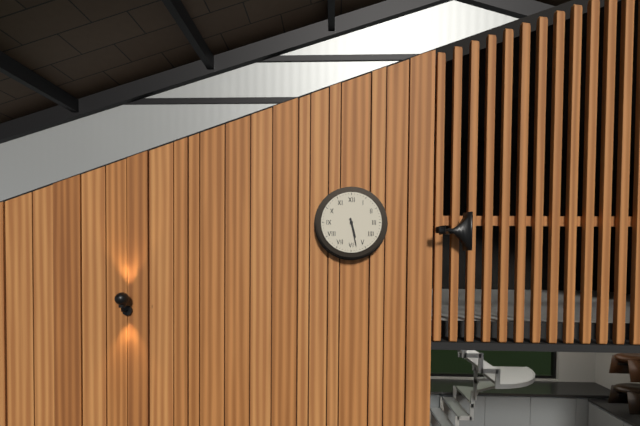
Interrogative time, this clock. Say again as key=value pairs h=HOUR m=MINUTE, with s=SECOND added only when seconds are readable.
h=5 m=28
